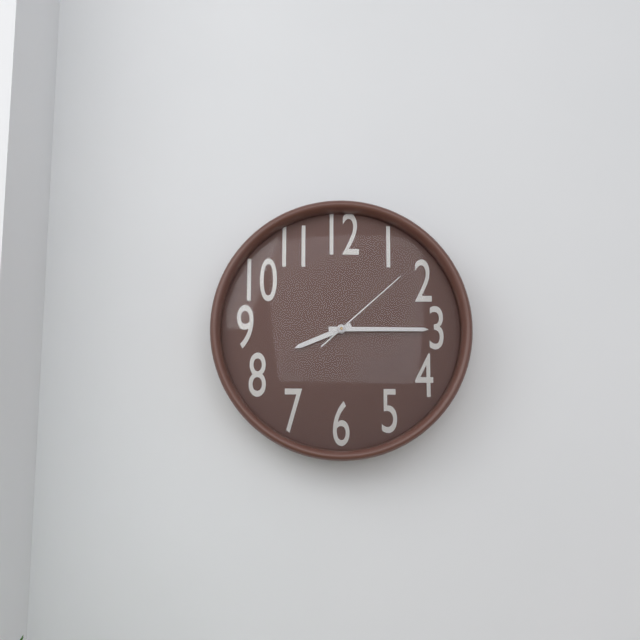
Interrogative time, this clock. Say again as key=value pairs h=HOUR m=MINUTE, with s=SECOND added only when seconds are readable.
h=8 m=15 s=8
